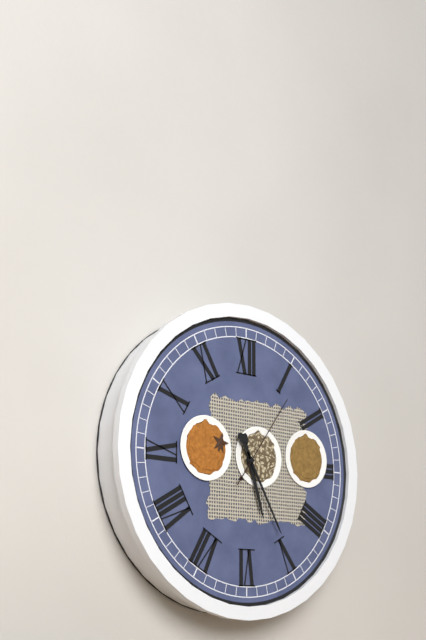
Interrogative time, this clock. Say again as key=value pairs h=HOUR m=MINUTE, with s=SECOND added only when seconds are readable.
h=5 m=25 s=6
